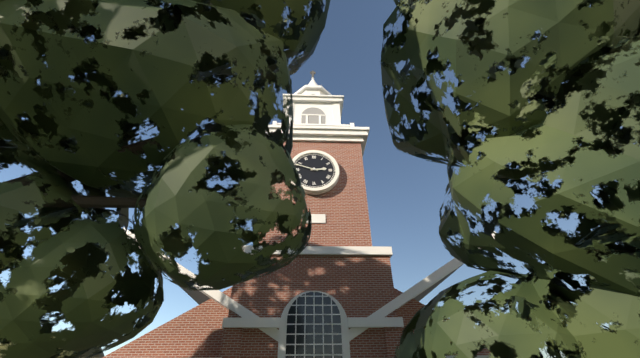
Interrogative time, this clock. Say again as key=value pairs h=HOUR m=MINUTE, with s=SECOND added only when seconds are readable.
h=2 m=48
